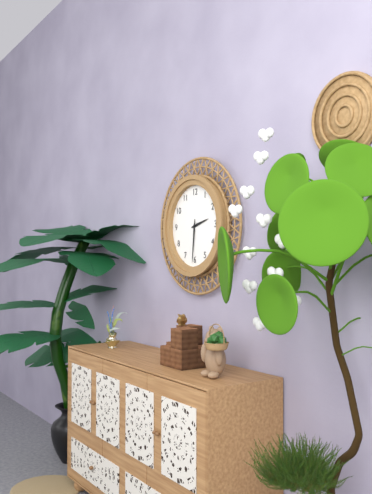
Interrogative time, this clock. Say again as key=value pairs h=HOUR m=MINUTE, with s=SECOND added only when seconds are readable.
h=2 m=31
